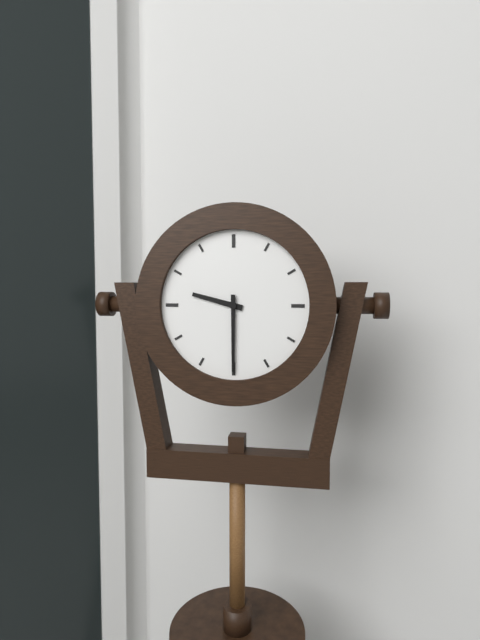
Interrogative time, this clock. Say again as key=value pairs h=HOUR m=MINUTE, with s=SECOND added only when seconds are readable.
h=9 m=30
